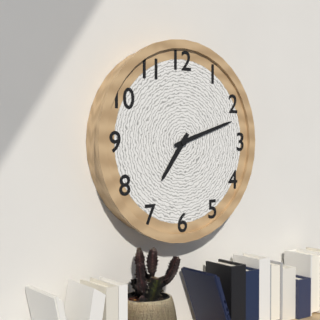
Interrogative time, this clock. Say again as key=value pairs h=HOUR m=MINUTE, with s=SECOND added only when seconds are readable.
h=7 m=12
